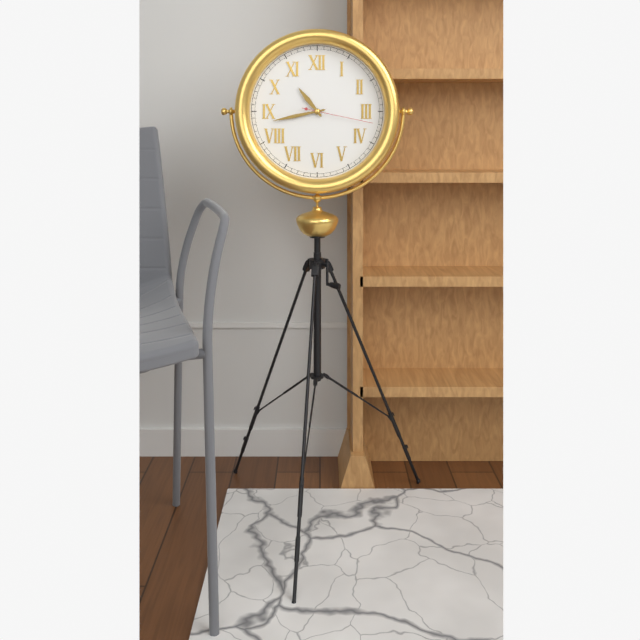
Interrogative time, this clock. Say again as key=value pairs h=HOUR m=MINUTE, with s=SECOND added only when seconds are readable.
h=10 m=43 s=17
